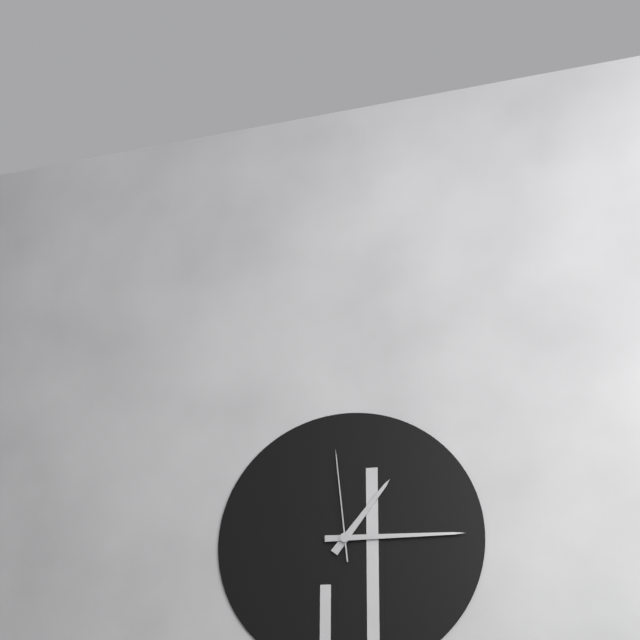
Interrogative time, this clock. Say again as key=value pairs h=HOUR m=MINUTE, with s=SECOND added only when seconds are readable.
h=1 m=15 s=59
